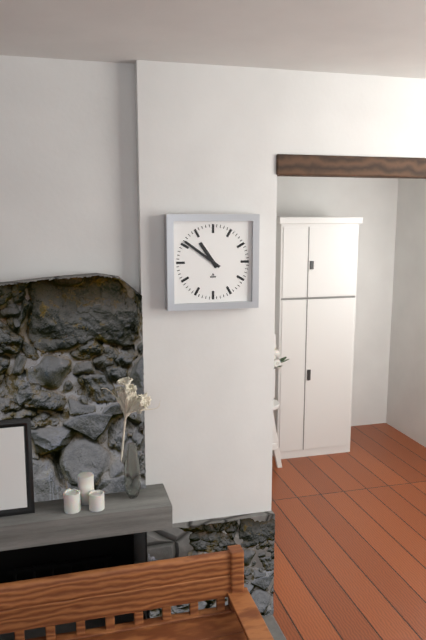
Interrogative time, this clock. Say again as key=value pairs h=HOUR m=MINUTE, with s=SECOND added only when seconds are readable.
h=10 m=51
